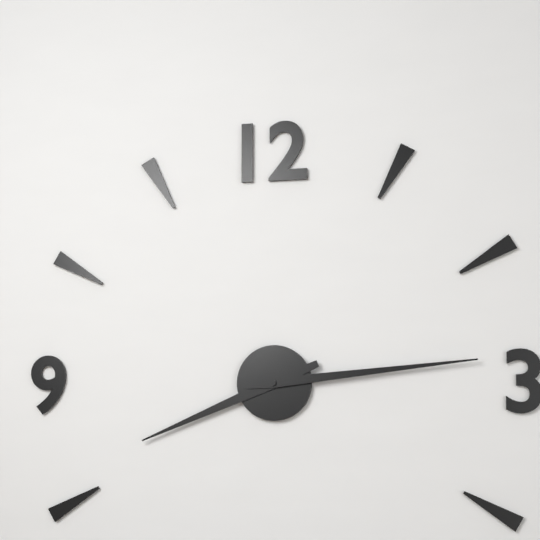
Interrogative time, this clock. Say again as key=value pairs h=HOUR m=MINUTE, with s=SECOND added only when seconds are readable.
h=8 m=14
